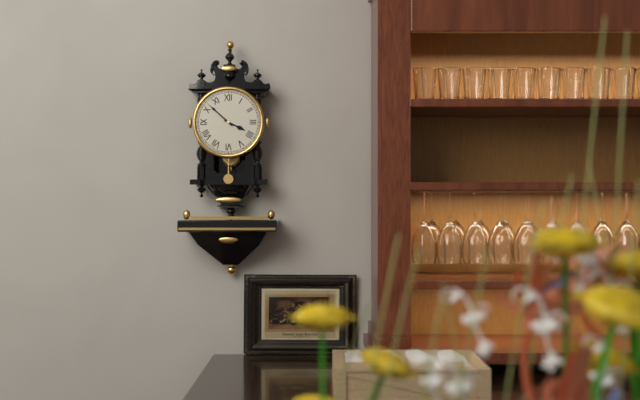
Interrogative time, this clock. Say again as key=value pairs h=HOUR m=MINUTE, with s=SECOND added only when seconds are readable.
h=3 m=52
